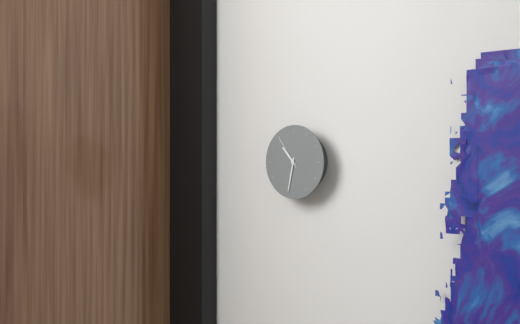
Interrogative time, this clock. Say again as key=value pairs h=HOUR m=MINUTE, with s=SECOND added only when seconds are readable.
h=10 m=32
